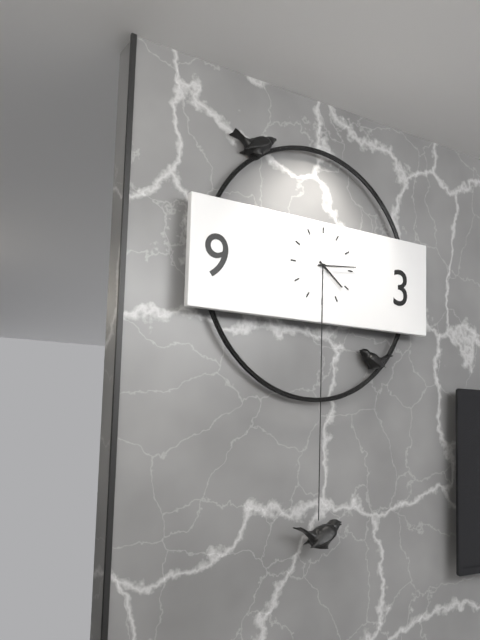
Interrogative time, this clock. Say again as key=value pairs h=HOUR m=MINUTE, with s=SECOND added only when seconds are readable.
h=4 m=14
